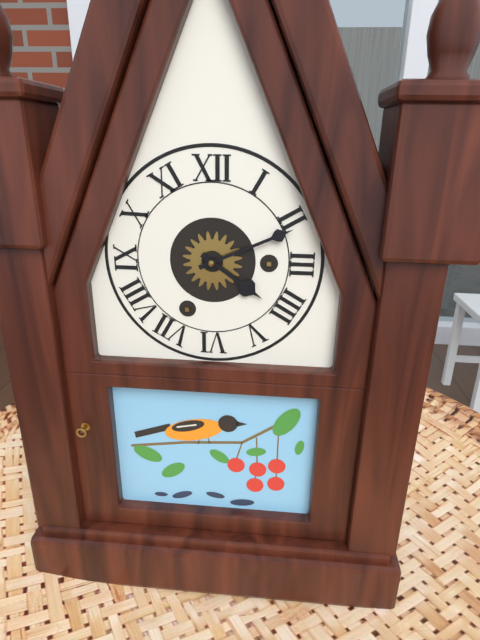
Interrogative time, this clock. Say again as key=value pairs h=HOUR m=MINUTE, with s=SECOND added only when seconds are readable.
h=4 m=11
